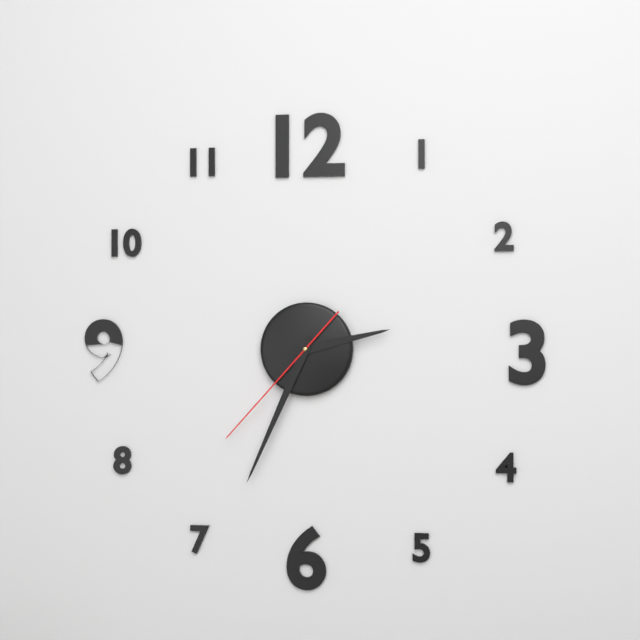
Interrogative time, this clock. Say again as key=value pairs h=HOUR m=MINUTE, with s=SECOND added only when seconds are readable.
h=2 m=34 s=37
